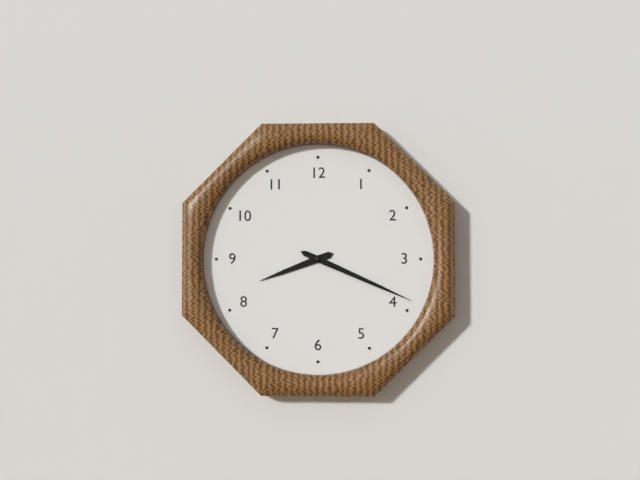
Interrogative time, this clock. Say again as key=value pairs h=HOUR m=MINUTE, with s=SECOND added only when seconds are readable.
h=8 m=19
